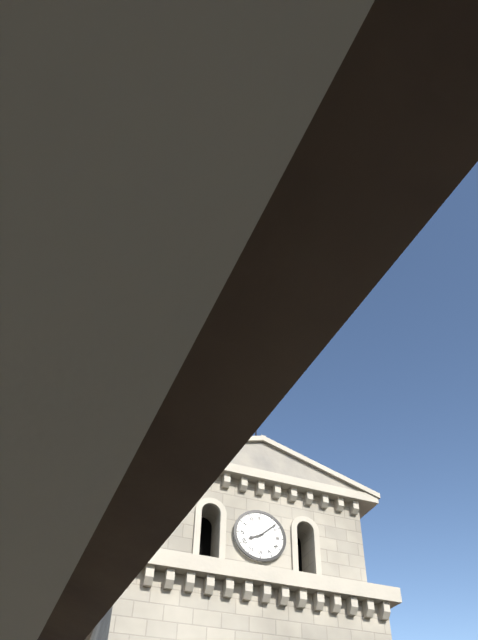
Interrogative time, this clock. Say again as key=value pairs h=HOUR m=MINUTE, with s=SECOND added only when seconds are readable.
h=8 m=8
